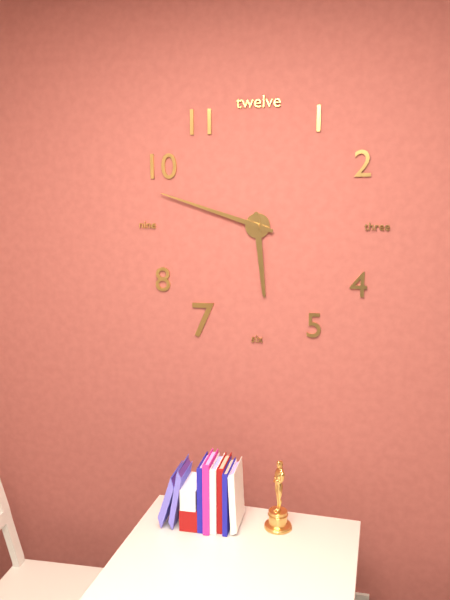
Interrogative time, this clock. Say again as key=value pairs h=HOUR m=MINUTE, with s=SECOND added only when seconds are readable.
h=5 m=48
